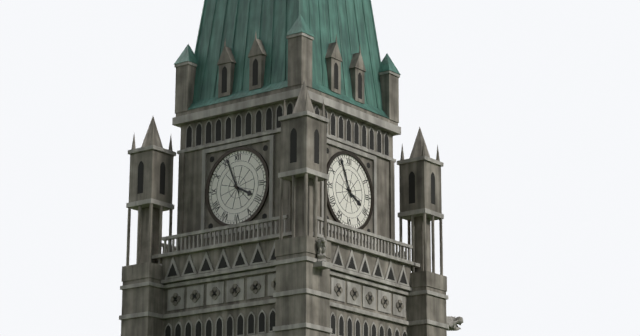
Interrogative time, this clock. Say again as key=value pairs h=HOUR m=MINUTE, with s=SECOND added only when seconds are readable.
h=3 m=56
